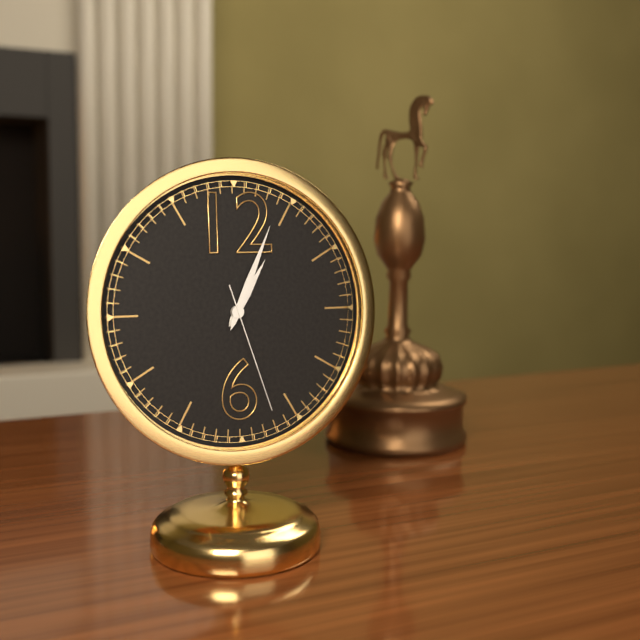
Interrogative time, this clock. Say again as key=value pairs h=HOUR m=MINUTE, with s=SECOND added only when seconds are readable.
h=1 m=4 s=27
